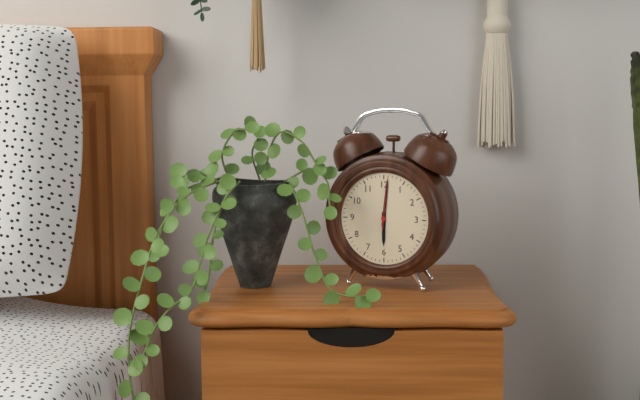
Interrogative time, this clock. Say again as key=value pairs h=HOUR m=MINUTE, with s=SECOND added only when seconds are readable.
h=6 m=1 s=1
